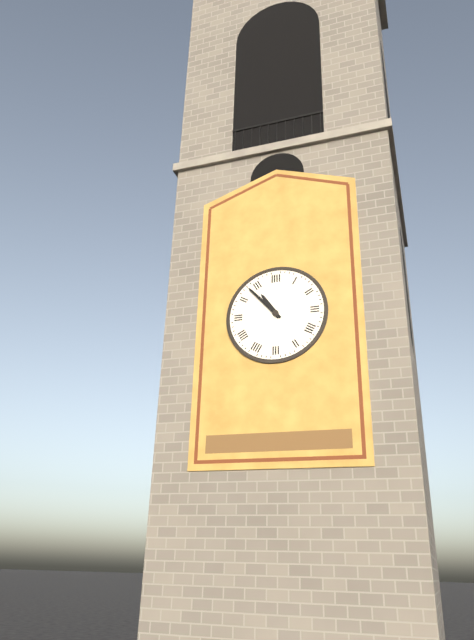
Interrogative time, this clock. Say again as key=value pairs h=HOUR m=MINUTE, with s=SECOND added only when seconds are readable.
h=10 m=53
